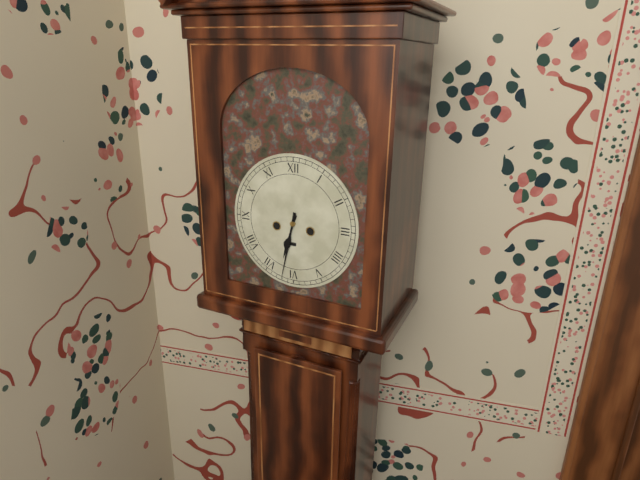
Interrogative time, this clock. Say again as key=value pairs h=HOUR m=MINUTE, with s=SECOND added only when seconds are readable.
h=6 m=32
